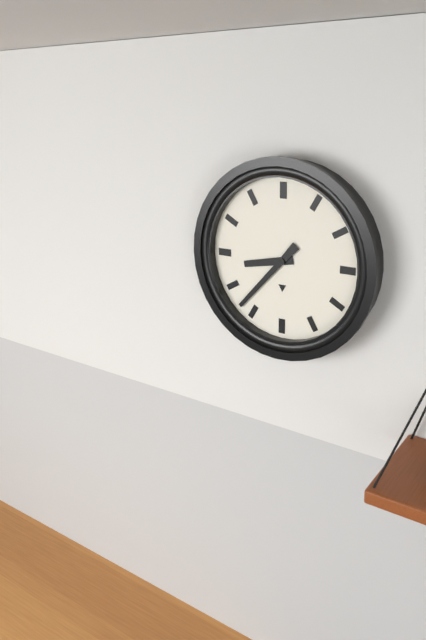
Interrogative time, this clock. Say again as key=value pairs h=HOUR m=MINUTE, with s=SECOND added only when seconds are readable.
h=8 m=37
